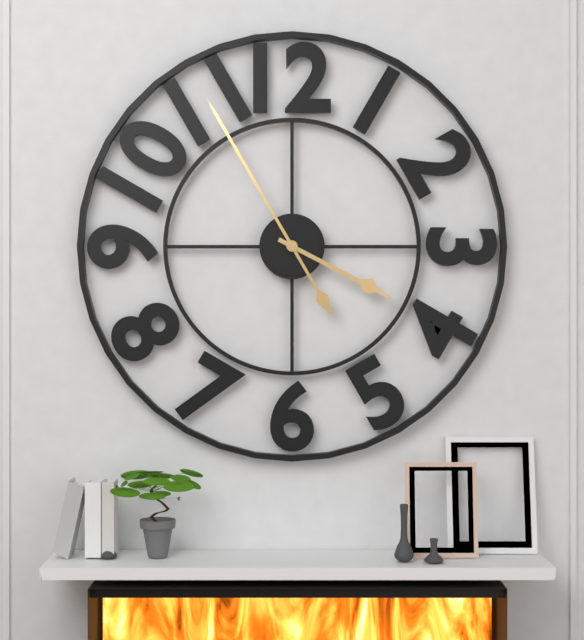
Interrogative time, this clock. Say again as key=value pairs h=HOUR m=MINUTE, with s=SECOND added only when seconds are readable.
h=3 m=55
